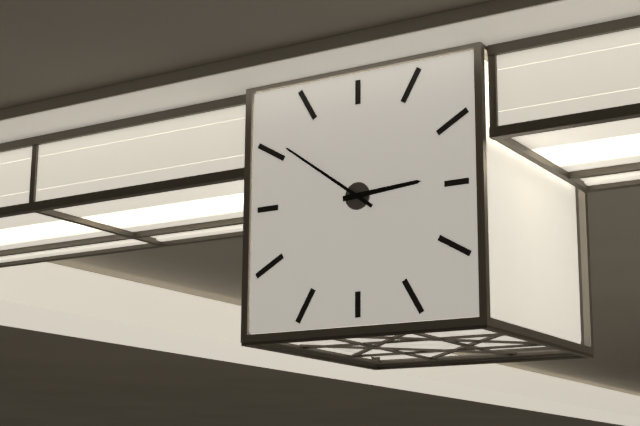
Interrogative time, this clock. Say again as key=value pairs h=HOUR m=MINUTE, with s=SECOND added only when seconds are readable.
h=2 m=51
